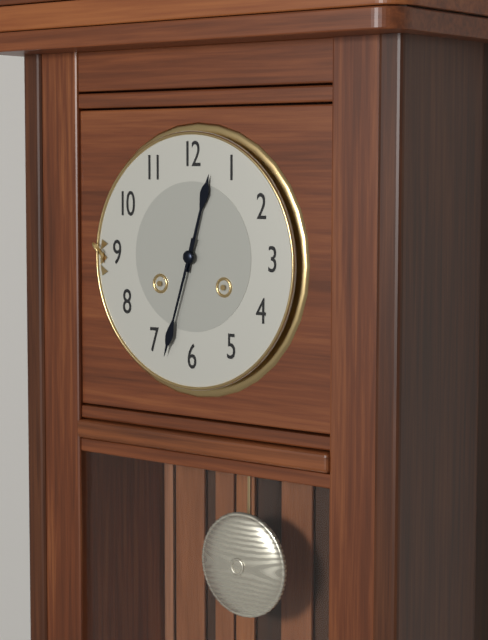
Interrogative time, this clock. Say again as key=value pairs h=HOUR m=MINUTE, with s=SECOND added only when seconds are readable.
h=12 m=33
